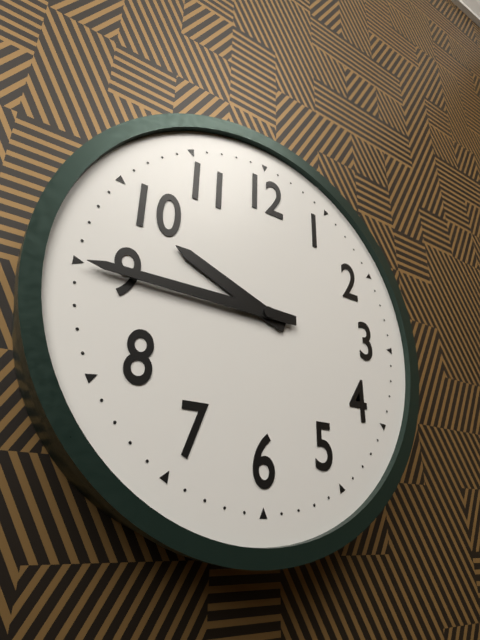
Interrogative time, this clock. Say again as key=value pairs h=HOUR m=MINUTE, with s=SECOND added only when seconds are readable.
h=9 m=45
